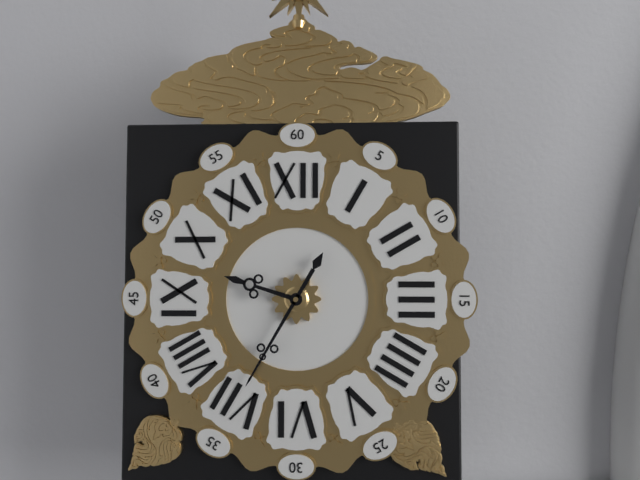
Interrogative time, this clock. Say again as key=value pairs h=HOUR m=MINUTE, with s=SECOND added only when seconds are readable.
h=9 m=35
